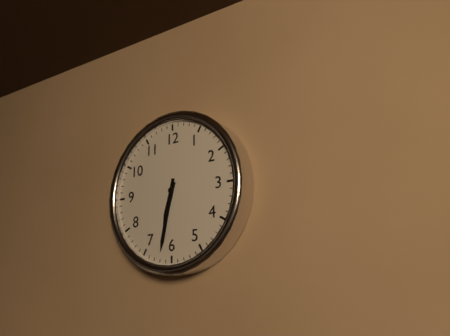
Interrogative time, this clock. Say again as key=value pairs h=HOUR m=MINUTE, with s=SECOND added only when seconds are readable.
h=6 m=32
